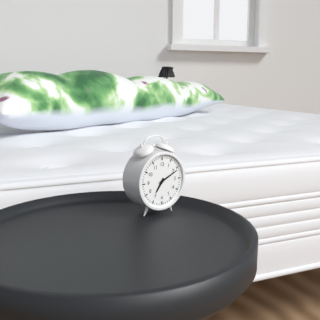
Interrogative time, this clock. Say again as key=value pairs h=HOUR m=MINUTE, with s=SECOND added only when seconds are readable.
h=7 m=11
